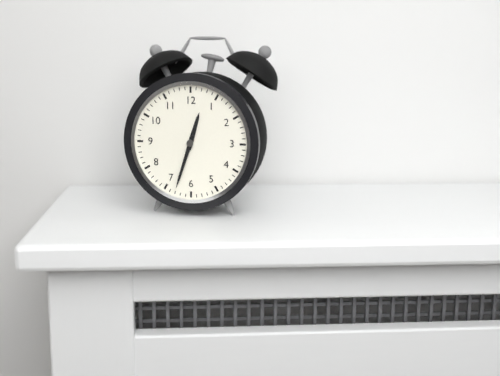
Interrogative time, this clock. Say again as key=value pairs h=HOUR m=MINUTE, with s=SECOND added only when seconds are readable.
h=12 m=33
